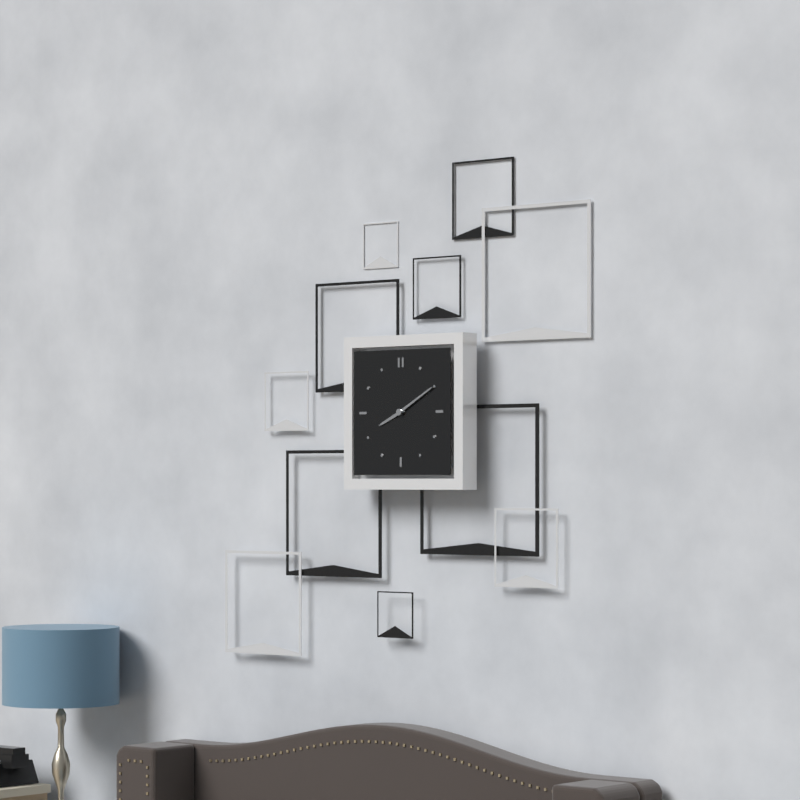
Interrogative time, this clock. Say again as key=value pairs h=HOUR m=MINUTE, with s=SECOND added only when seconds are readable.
h=8 m=10
